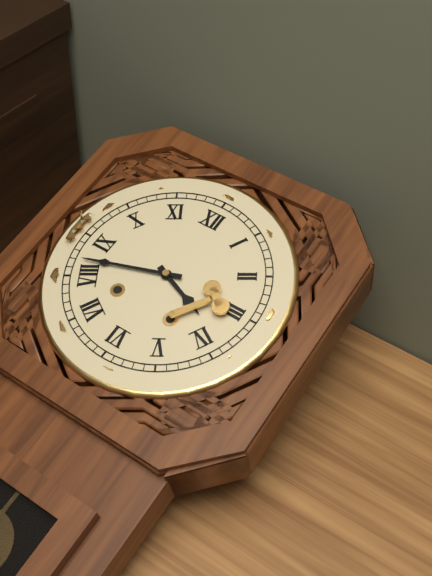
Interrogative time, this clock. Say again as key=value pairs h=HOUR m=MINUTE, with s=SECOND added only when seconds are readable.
h=3 m=42
